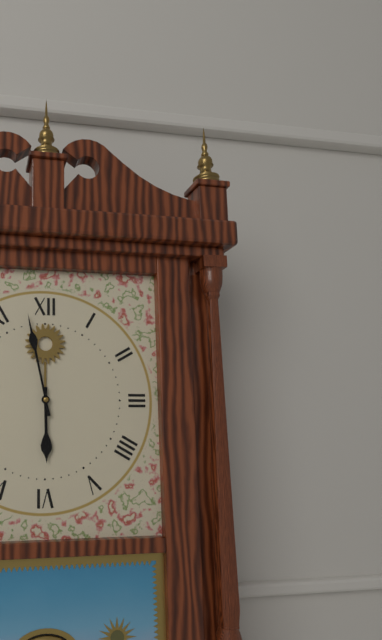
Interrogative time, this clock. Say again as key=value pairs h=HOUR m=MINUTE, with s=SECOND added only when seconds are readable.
h=5 m=58
